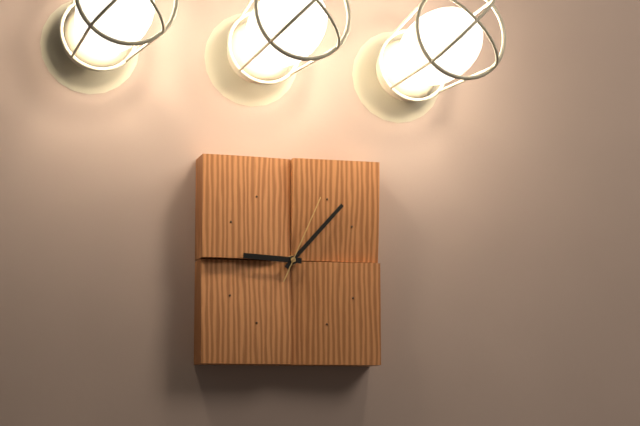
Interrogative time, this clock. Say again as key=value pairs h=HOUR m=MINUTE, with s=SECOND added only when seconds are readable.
h=9 m=7 s=4
